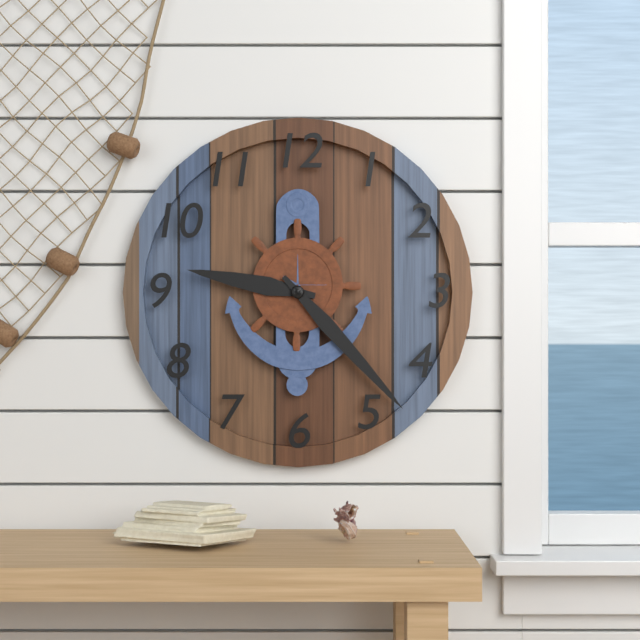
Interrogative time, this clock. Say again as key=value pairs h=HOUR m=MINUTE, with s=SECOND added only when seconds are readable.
h=9 m=23
